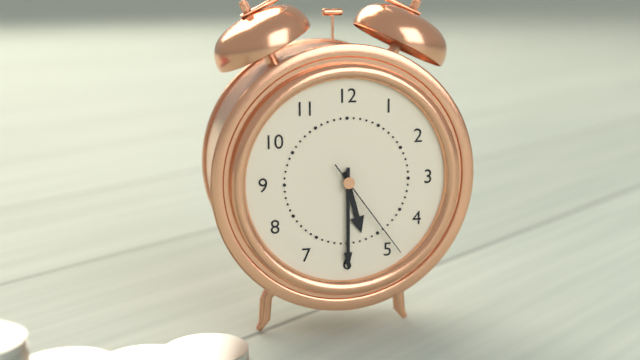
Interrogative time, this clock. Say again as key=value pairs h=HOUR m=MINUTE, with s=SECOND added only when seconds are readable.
h=5 m=30 s=24
